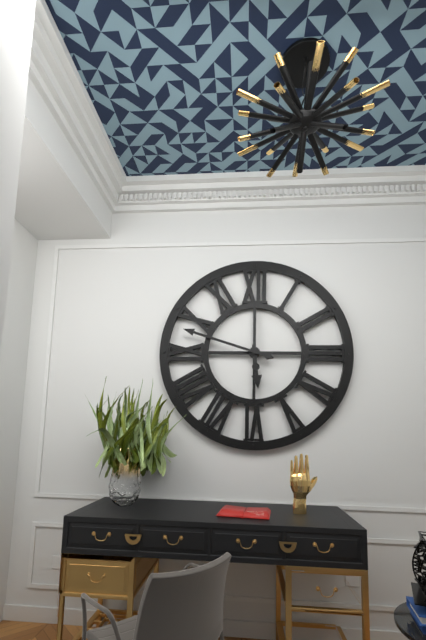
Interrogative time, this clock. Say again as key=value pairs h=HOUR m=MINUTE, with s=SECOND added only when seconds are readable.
h=5 m=48
